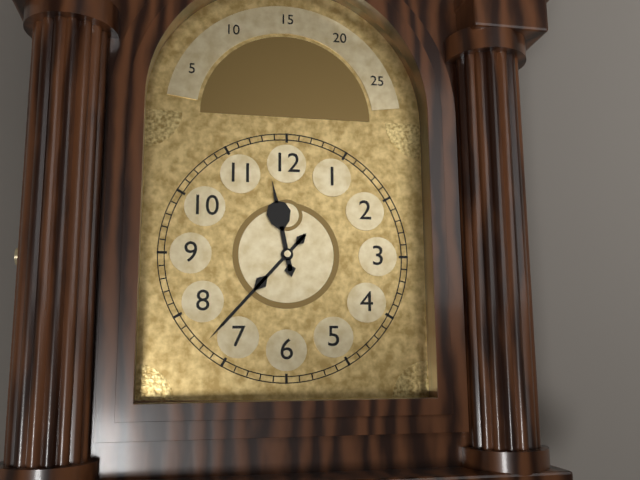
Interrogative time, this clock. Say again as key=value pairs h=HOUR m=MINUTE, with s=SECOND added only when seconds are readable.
h=11 m=37
